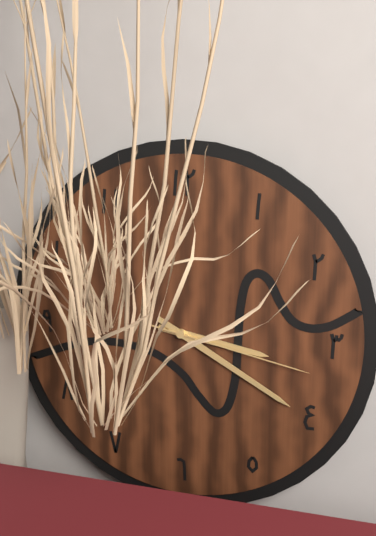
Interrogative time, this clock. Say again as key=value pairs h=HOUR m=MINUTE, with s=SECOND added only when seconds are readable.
h=3 m=20 s=17
